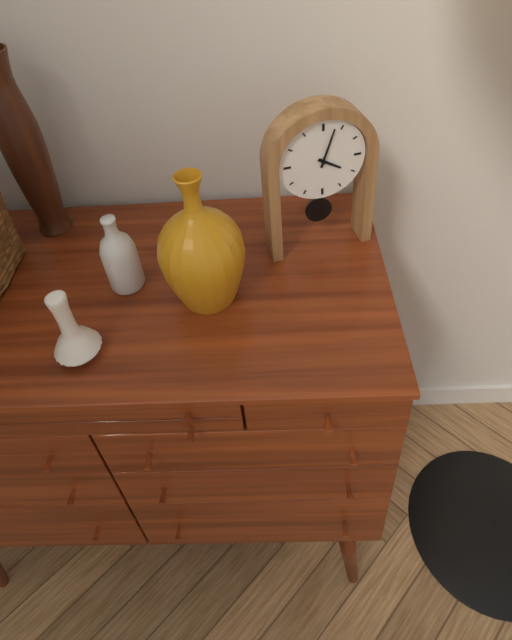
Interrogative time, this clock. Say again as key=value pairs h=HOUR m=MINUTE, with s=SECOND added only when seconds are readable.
h=4 m=3
